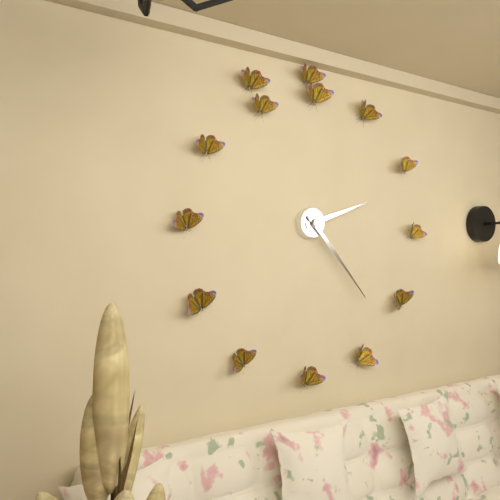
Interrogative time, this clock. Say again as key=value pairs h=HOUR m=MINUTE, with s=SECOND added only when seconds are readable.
h=2 m=23
